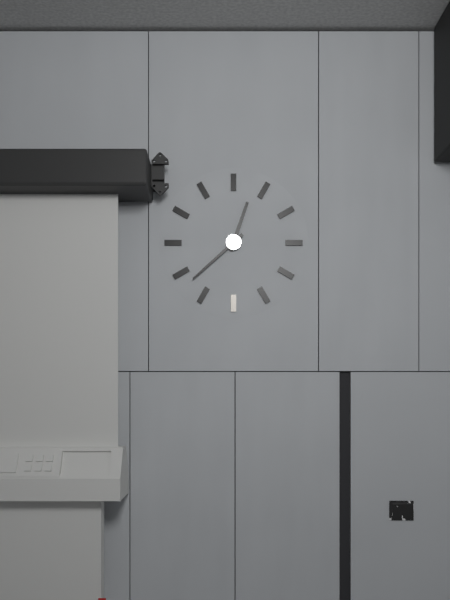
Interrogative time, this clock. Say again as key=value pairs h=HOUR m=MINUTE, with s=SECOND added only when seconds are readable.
h=12 m=38
